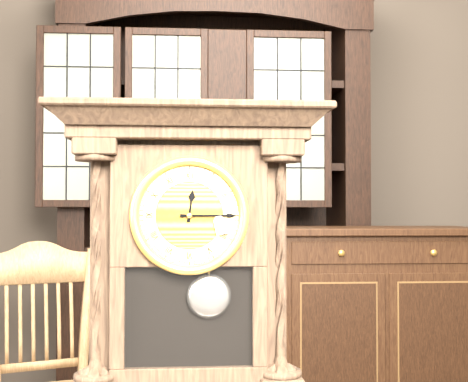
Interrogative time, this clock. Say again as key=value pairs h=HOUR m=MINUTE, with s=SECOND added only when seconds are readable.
h=12 m=15
